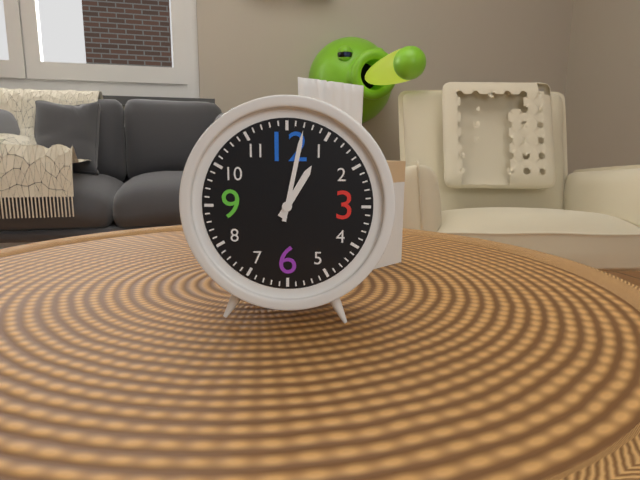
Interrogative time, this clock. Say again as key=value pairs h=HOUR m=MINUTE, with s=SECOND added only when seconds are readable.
h=1 m=2
